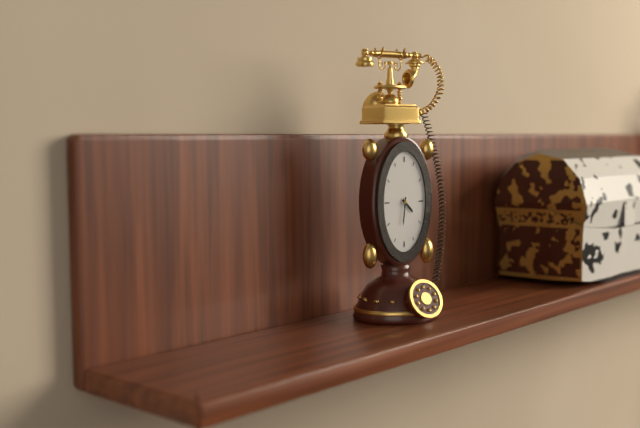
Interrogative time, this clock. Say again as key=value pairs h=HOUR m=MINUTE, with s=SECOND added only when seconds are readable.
h=4 m=31
